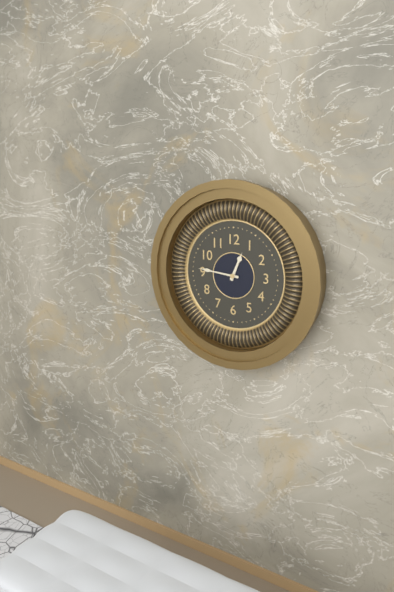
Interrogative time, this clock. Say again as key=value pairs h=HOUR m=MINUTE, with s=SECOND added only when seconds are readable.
h=12 m=46
